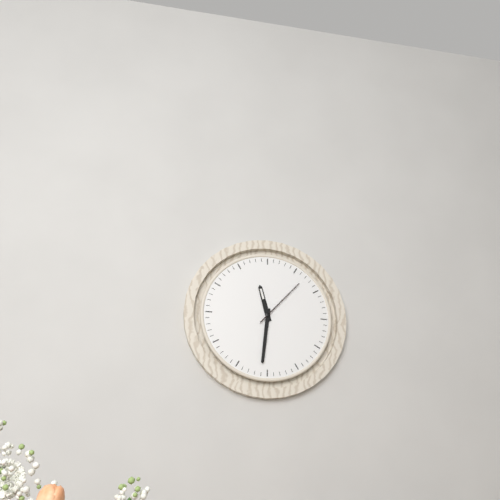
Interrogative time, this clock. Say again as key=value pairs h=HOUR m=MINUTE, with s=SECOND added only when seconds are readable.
h=11 m=31 s=7
